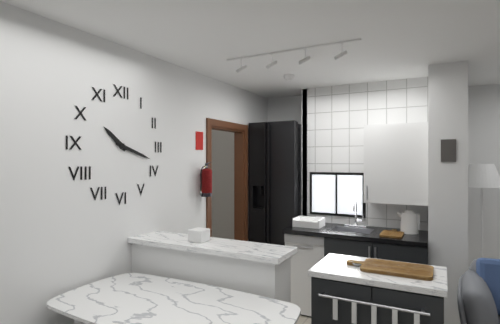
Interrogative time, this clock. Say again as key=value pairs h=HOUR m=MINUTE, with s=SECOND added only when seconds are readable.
h=10 m=18
